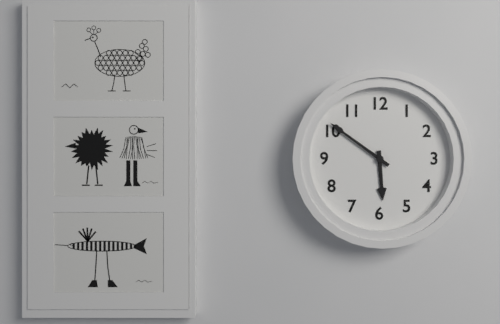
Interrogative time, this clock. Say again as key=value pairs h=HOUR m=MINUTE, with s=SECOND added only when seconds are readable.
h=5 m=51
